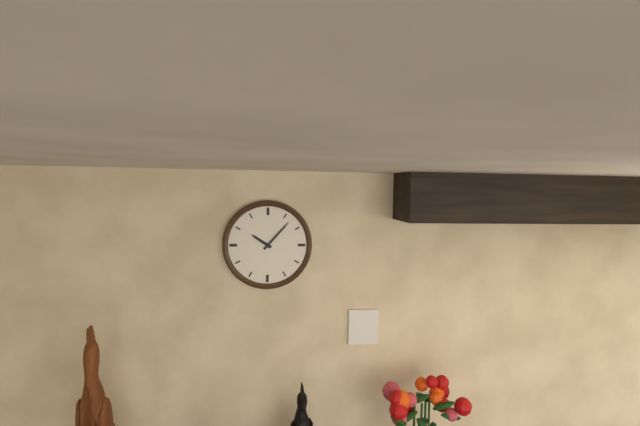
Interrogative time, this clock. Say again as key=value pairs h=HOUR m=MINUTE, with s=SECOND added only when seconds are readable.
h=10 m=7
